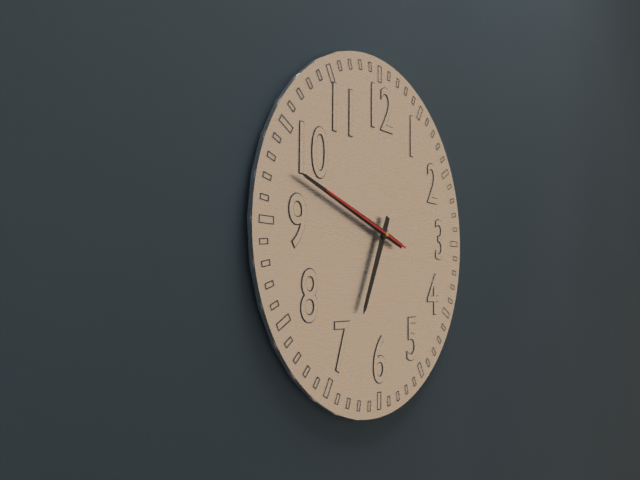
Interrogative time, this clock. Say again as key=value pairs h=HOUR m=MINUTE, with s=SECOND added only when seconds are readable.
h=6 m=48 s=48
